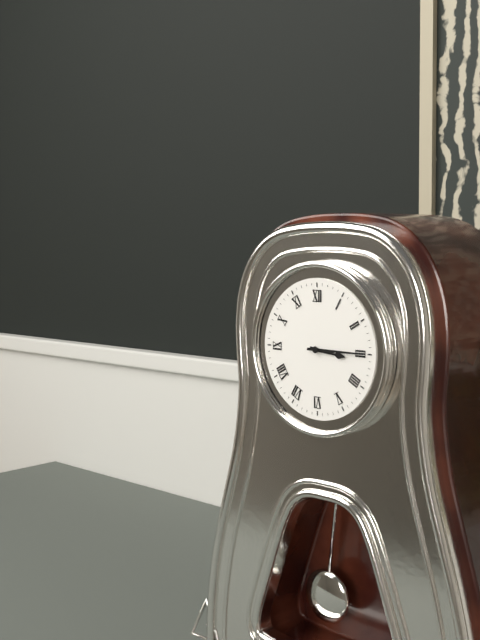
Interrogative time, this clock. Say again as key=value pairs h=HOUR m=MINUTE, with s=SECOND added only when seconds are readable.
h=3 m=15
